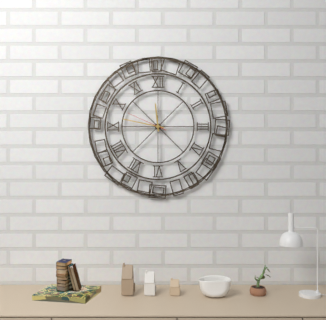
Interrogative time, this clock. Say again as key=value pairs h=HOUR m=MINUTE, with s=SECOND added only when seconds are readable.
h=11 m=47
